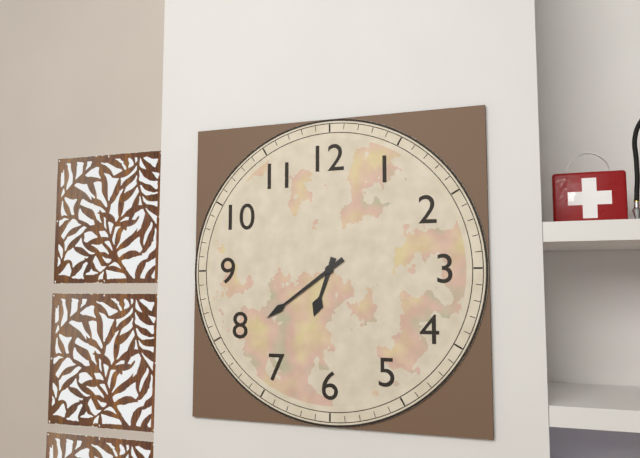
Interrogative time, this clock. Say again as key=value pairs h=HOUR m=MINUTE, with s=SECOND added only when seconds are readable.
h=6 m=39
